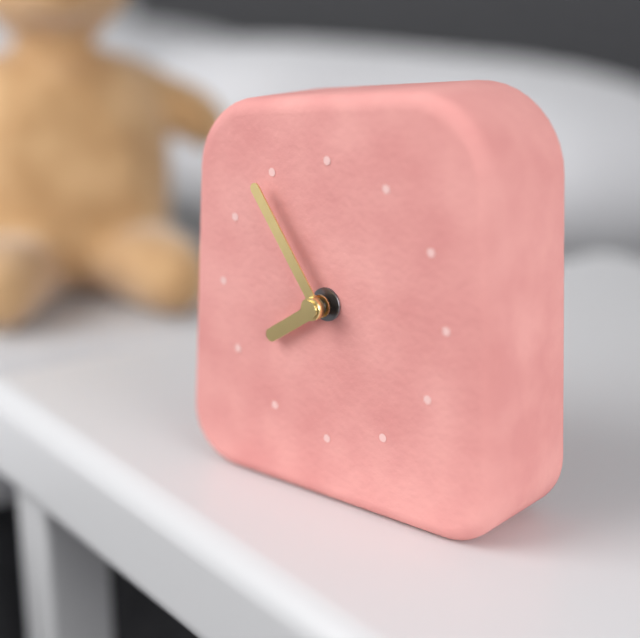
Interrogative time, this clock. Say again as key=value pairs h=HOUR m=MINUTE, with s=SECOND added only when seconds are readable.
h=7 m=54
